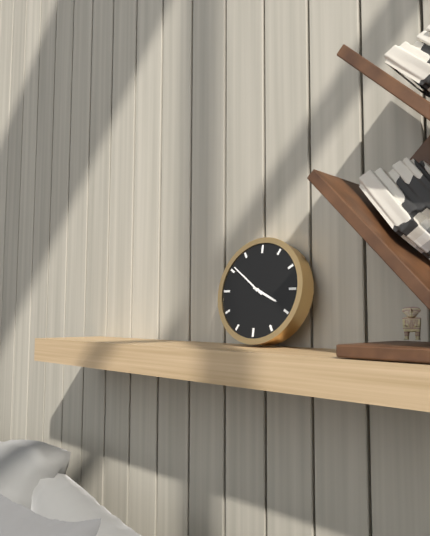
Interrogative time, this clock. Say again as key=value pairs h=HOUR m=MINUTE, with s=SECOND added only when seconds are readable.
h=3 m=51
